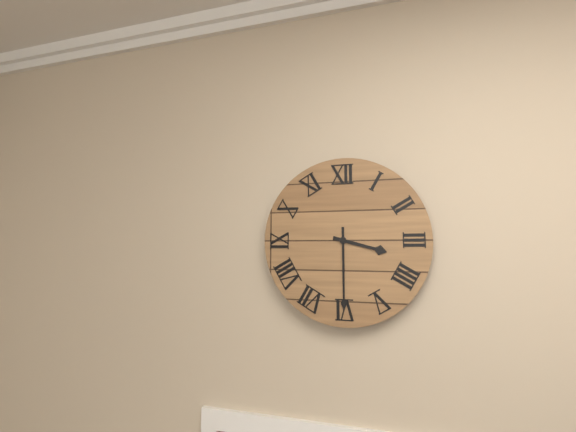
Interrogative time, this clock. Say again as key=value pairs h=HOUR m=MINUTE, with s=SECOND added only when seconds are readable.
h=3 m=30
